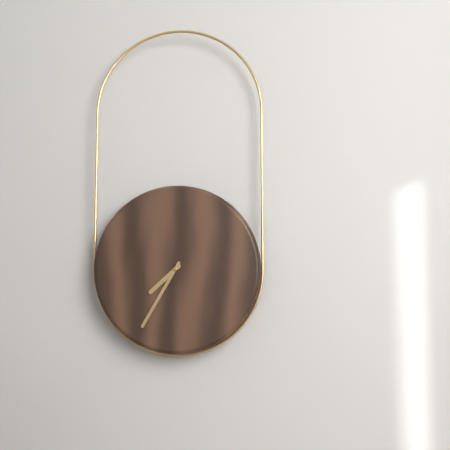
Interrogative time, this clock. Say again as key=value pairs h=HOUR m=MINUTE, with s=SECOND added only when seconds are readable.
h=7 m=35
